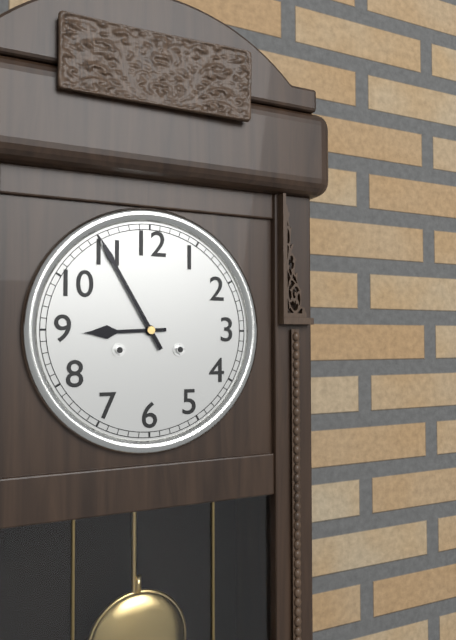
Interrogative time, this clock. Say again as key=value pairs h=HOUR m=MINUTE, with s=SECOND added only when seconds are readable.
h=8 m=55
